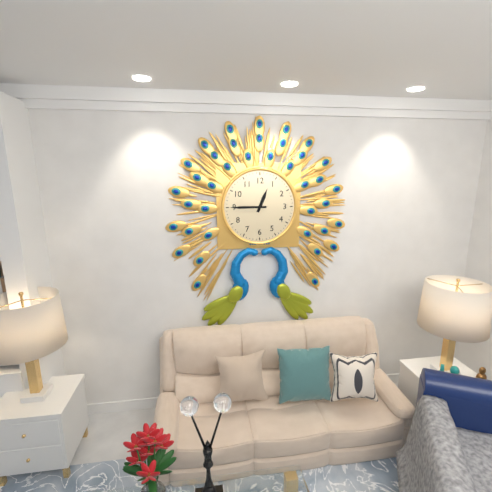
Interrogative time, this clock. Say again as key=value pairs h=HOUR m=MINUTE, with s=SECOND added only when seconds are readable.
h=12 m=45
